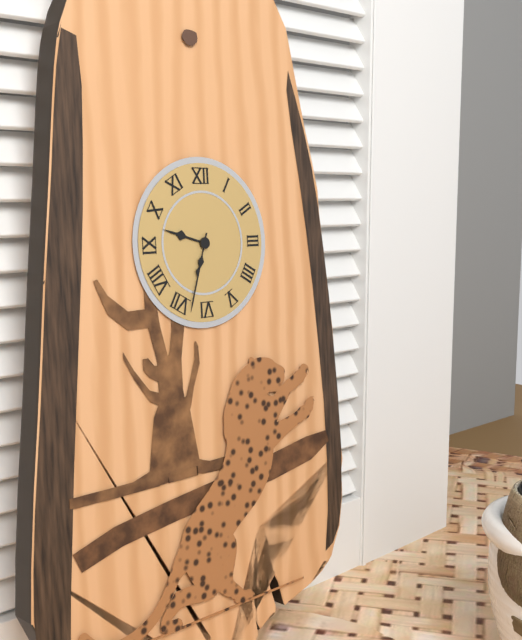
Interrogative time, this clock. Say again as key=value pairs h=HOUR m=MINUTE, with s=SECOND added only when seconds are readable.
h=9 m=33
